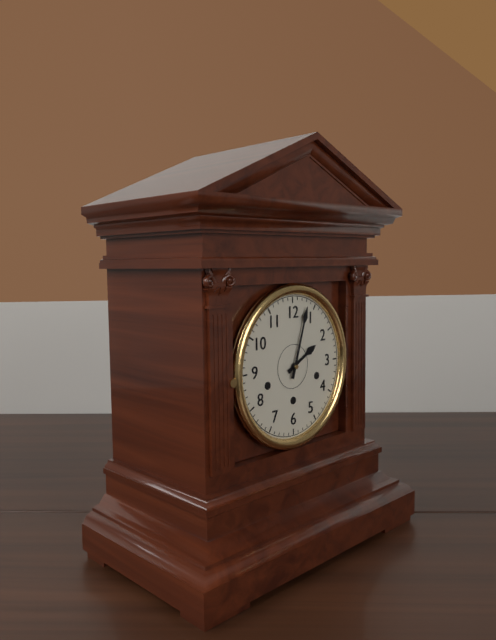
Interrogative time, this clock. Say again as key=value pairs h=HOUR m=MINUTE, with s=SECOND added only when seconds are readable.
h=2 m=3
